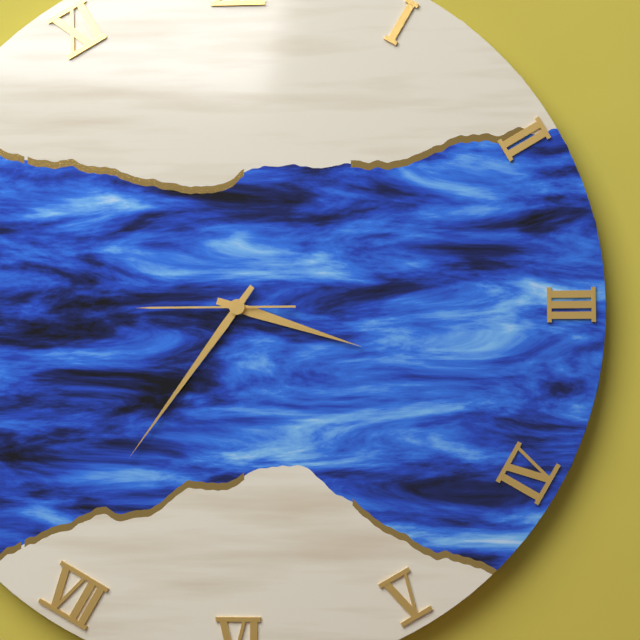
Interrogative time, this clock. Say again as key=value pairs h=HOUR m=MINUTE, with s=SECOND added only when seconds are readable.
h=3 m=36 s=45
